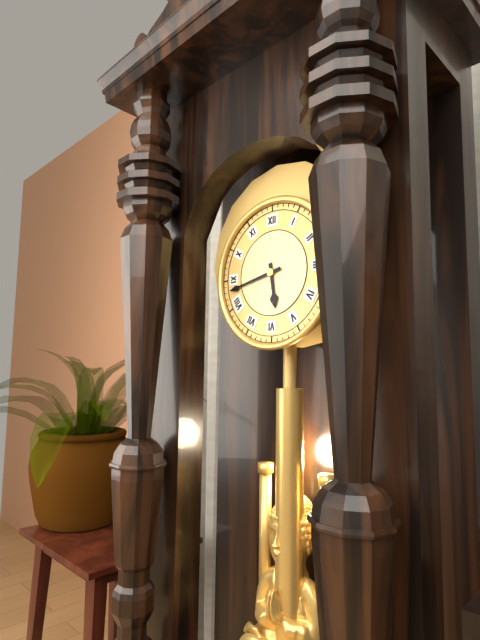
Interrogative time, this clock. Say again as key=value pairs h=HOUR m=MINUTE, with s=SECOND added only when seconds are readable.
h=5 m=43
